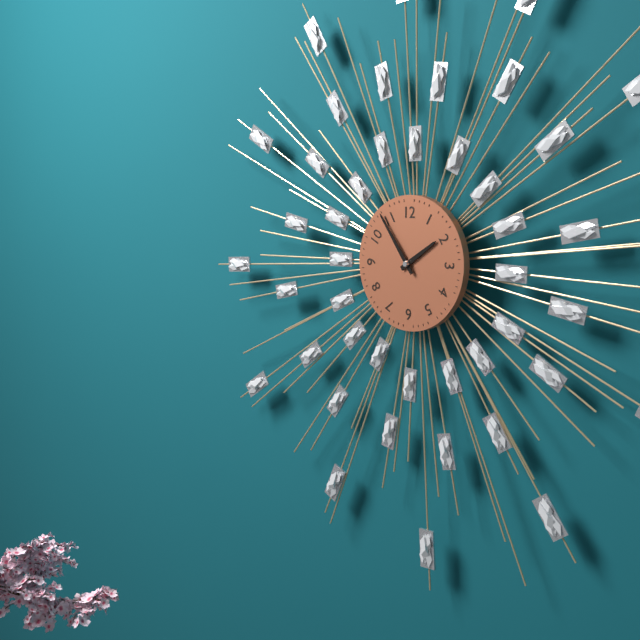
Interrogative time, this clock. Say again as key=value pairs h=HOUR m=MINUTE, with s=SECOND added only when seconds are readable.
h=1 m=54
